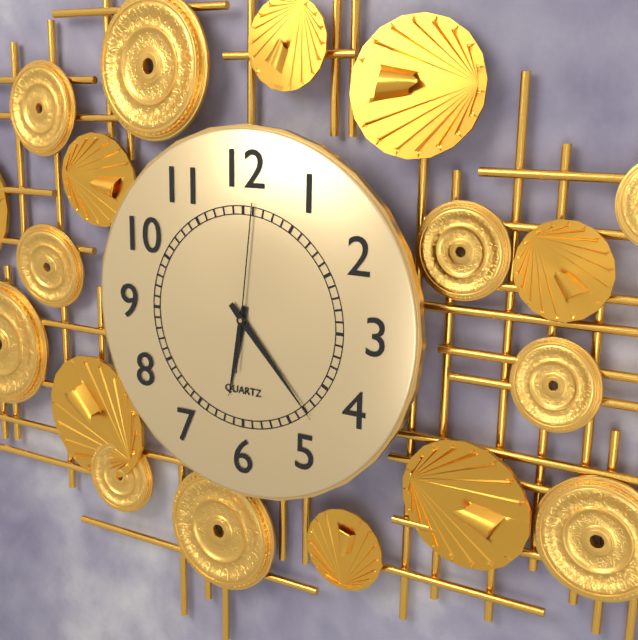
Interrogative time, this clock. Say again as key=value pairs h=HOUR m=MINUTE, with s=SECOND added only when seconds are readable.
h=6 m=23 s=1
